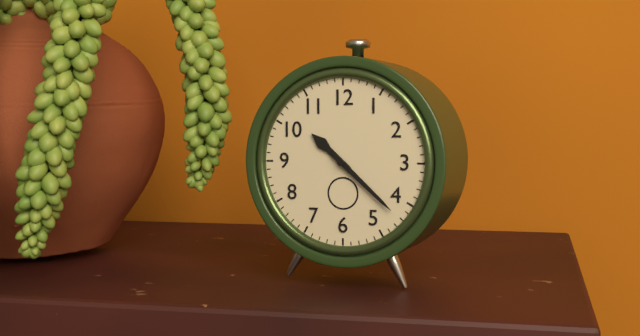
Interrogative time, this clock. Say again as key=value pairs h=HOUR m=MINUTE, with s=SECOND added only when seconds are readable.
h=10 m=22
